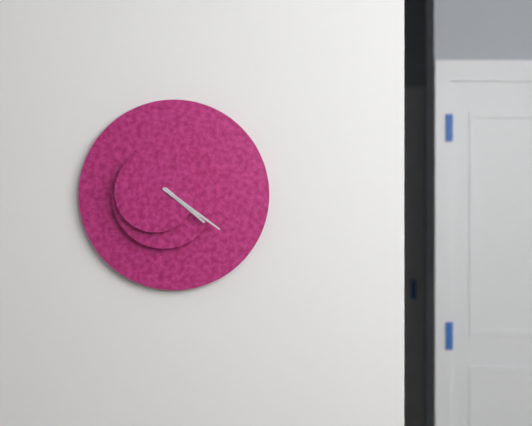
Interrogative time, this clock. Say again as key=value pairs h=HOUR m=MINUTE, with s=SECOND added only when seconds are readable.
h=4 m=21
